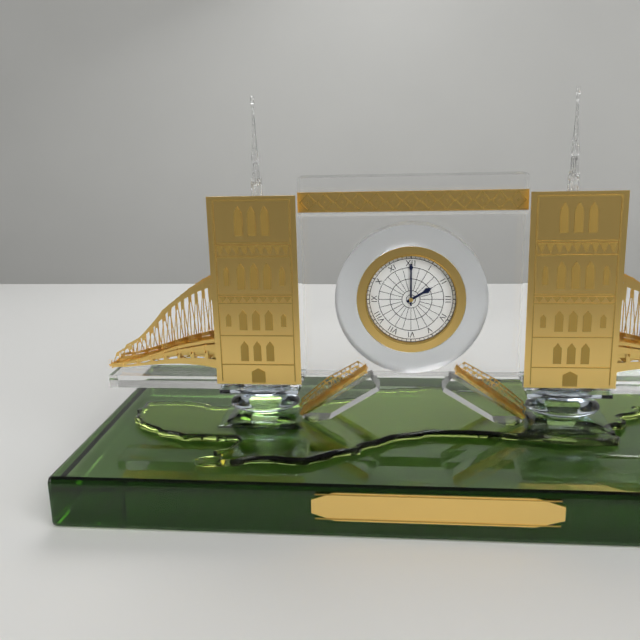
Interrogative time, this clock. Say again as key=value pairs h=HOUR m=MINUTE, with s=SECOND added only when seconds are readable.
h=2 m=0
